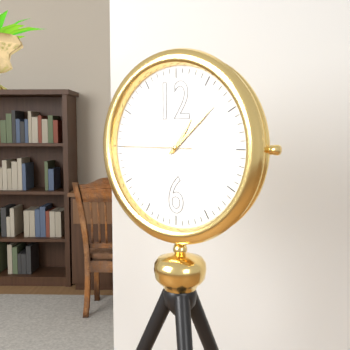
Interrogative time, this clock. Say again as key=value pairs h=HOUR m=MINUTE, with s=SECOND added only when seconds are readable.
h=1 m=8 s=45
